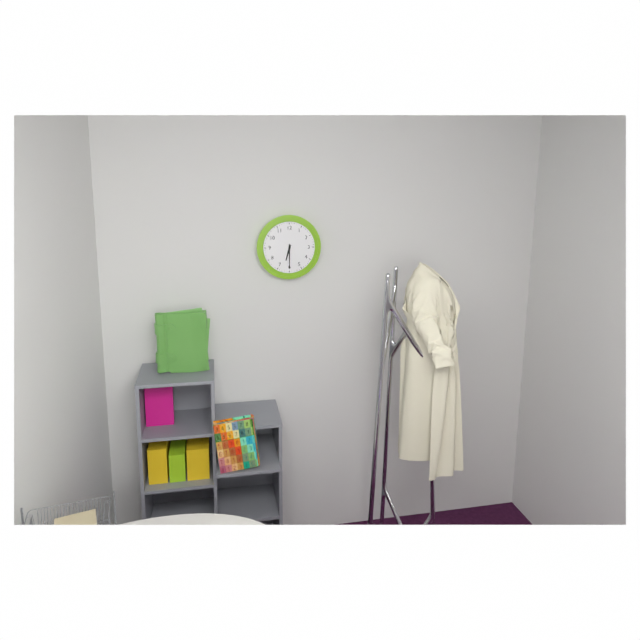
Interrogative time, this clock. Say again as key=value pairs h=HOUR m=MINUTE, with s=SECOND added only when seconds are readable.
h=6 m=30
